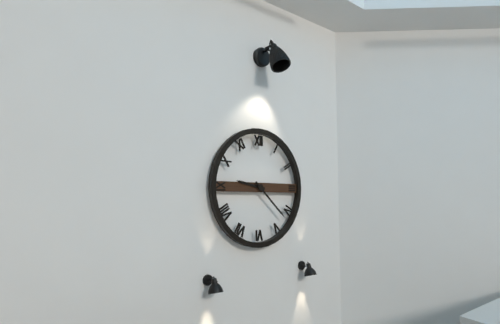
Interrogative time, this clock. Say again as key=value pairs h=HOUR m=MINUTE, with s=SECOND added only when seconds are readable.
h=9 m=22
